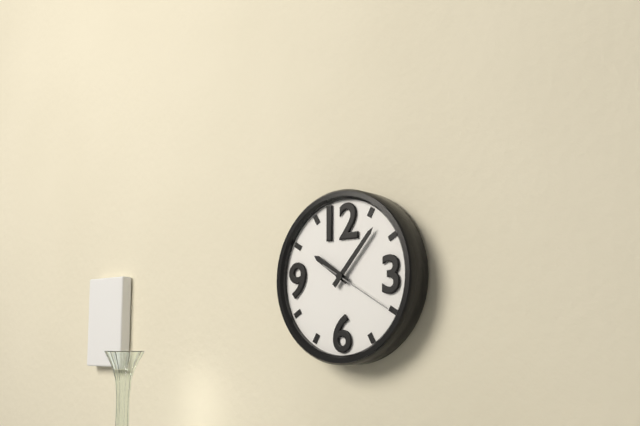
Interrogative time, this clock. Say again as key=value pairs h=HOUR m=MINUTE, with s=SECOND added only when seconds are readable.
h=10 m=7 s=20
